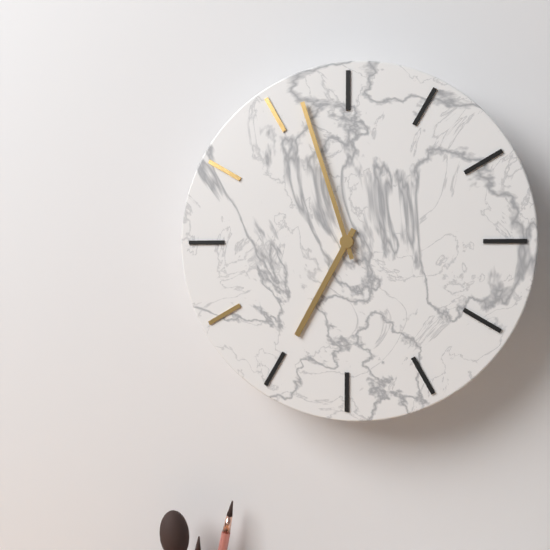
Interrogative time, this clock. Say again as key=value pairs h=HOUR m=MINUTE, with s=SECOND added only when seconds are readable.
h=6 m=57
